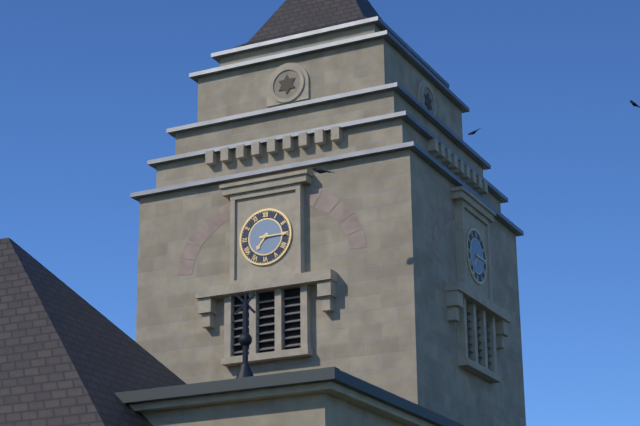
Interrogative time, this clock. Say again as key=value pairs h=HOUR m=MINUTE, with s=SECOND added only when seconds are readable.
h=7 m=15
